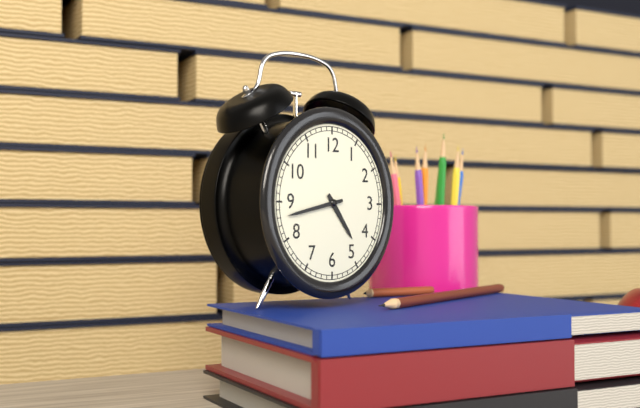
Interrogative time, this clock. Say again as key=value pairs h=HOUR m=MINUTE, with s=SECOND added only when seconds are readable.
h=4 m=43
